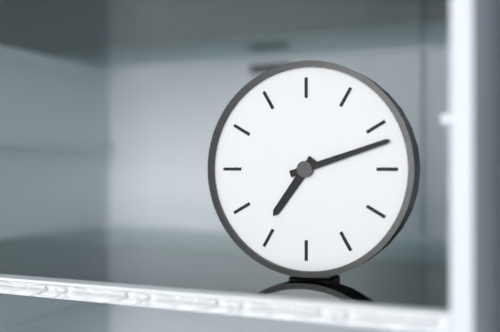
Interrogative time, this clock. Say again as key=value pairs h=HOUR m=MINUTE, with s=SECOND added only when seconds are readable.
h=7 m=12
